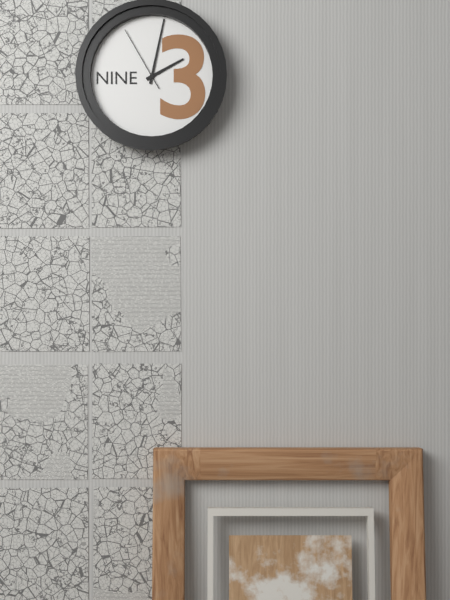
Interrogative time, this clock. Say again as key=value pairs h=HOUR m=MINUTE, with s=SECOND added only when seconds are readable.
h=2 m=2 s=55
